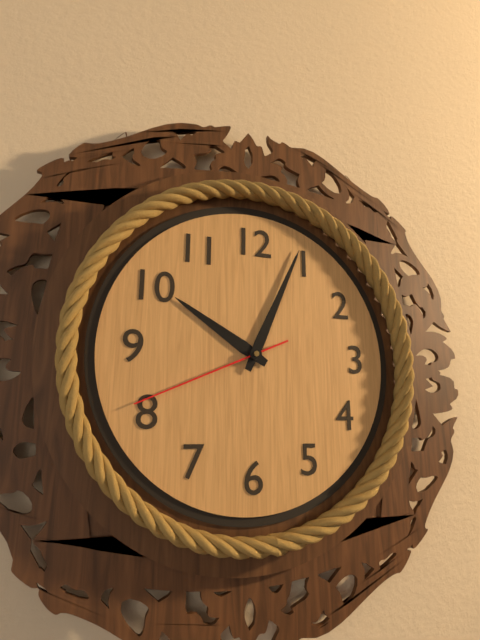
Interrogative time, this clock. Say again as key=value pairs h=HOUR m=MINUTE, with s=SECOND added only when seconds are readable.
h=10 m=4 s=41
